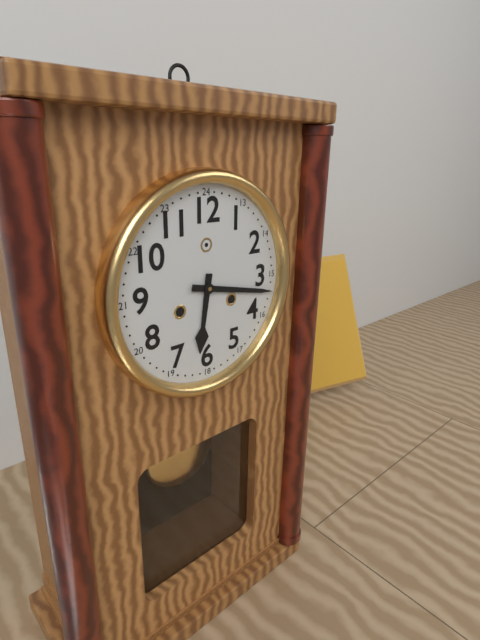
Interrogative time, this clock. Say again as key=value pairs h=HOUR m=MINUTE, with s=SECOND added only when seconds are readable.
h=6 m=17
